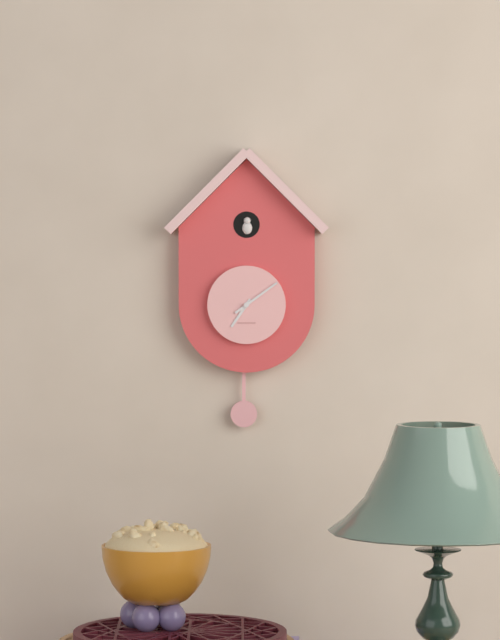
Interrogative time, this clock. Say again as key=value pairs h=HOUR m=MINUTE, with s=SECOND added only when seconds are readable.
h=7 m=9
